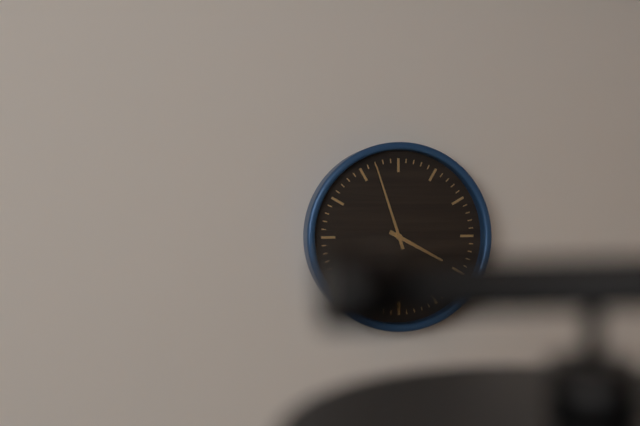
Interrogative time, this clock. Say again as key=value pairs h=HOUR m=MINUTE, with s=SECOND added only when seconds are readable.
h=3 m=57
